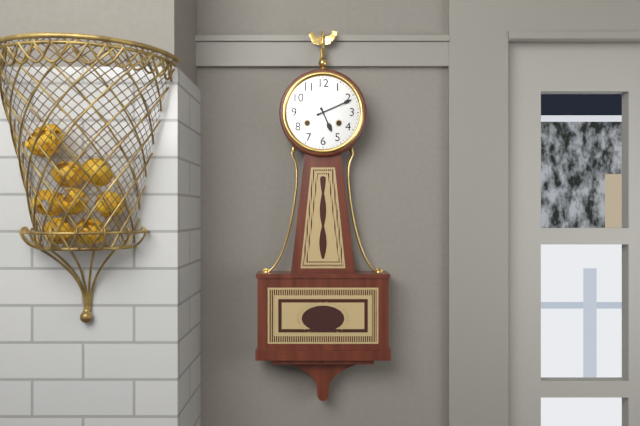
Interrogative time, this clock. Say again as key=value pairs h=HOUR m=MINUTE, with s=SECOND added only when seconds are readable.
h=5 m=11
